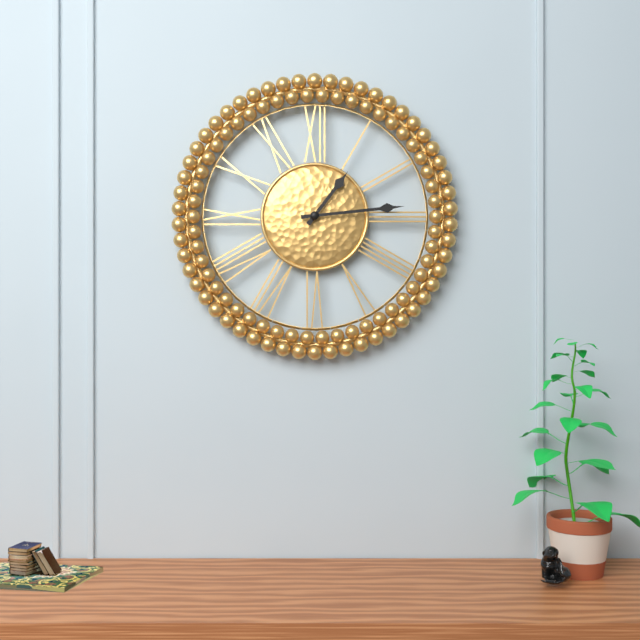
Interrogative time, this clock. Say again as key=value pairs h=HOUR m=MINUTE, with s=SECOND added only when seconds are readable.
h=1 m=14
